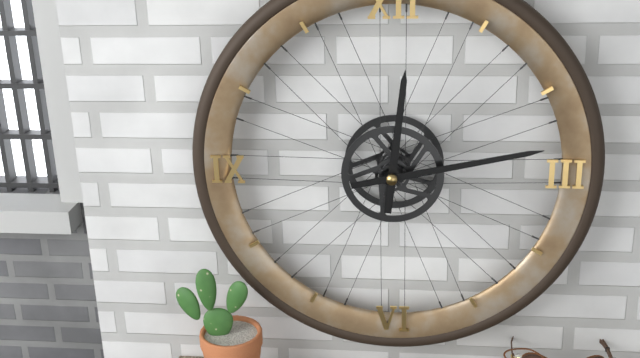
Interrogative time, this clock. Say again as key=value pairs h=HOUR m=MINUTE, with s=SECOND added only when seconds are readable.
h=12 m=13
